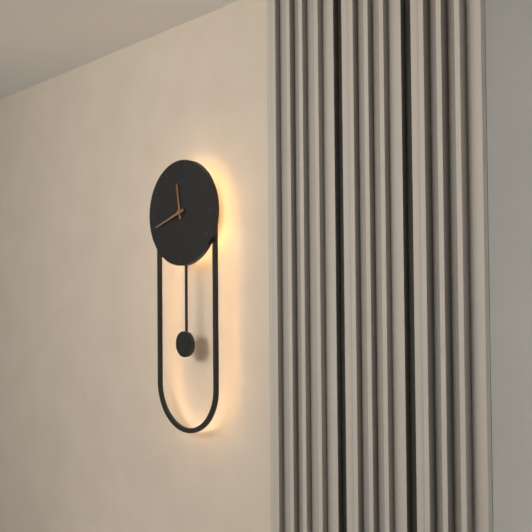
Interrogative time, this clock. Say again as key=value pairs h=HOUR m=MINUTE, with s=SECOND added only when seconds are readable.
h=11 m=42
